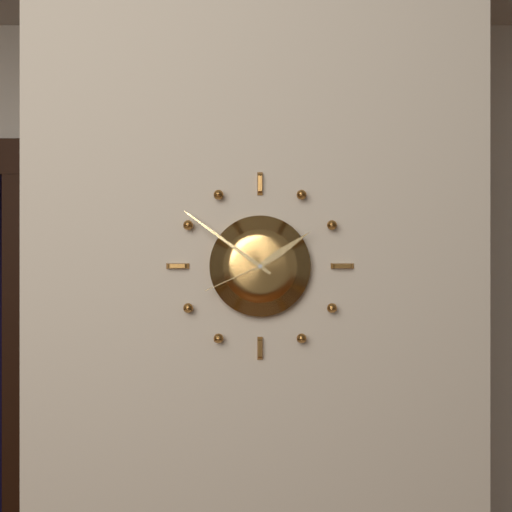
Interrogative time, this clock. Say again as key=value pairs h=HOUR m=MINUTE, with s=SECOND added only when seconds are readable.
h=1 m=51 s=41
